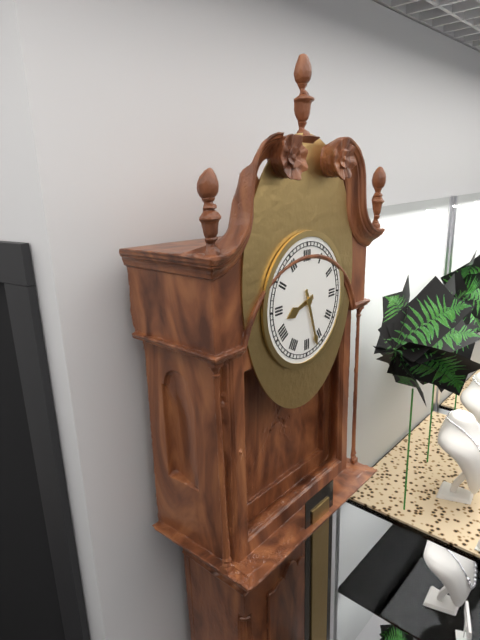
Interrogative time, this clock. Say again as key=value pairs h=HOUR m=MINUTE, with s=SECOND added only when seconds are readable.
h=8 m=27
